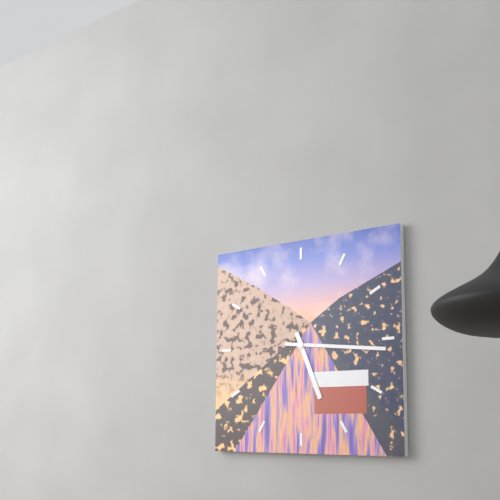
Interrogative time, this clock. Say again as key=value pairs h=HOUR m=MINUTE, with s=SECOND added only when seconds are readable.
h=5 m=16
